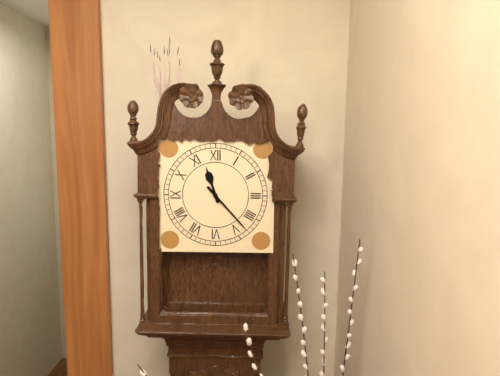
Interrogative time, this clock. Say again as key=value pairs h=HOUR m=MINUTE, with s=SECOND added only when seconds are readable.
h=11 m=23
